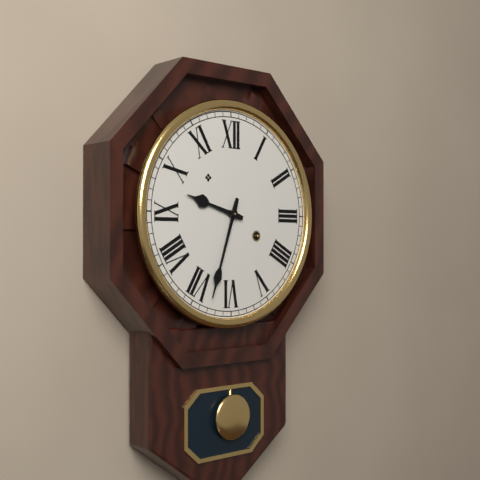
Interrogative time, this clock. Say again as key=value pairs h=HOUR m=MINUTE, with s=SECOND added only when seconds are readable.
h=9 m=33
